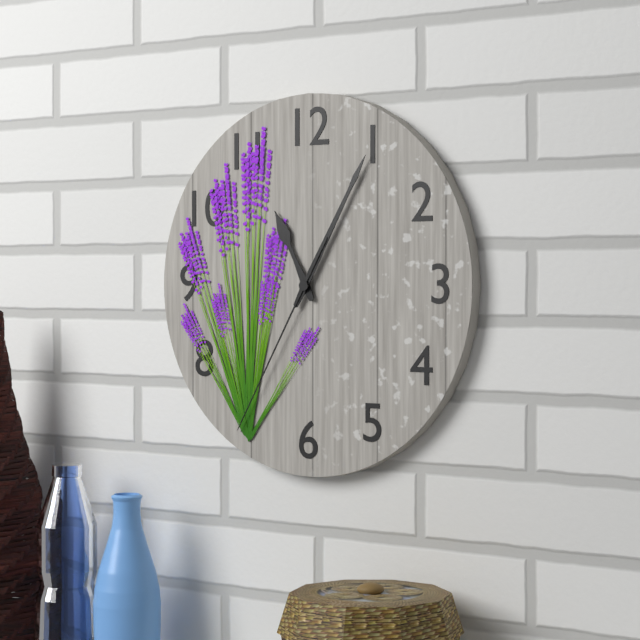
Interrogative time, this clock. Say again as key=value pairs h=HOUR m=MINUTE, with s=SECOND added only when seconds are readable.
h=11 m=5 s=35
